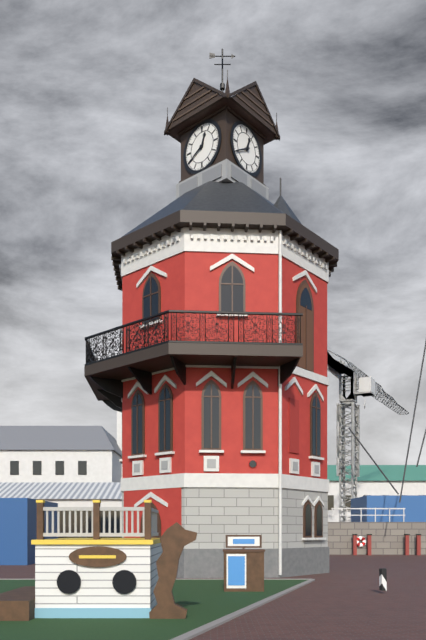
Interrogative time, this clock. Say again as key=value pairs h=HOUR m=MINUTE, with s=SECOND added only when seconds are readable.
h=12 m=40
